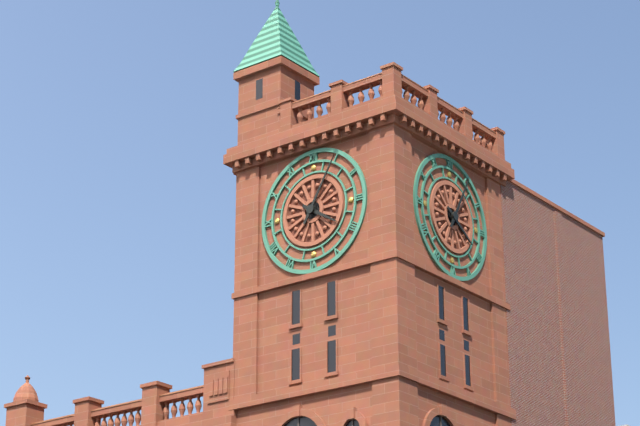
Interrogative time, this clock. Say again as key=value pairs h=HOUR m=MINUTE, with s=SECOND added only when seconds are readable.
h=4 m=5
